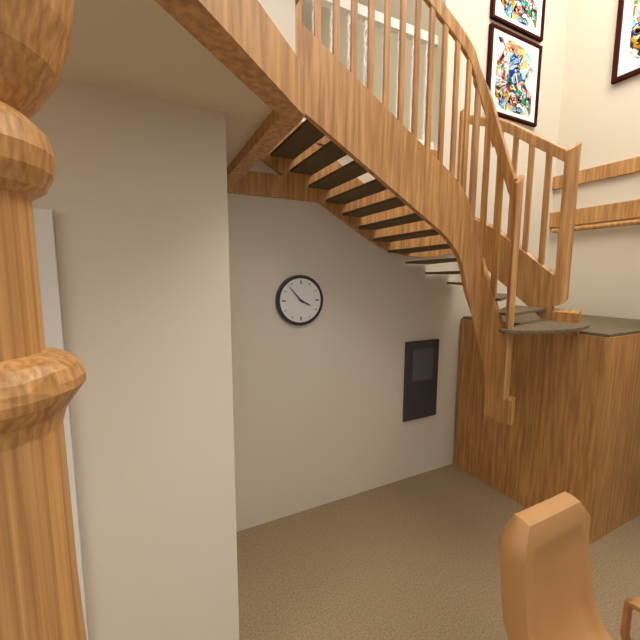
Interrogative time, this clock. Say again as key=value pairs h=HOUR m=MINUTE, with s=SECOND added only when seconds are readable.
h=3 m=53
